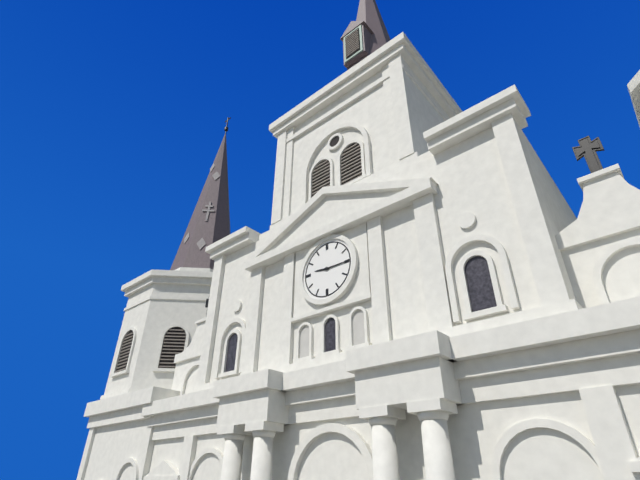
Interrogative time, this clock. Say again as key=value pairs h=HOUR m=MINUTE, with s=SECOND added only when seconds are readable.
h=9 m=15
